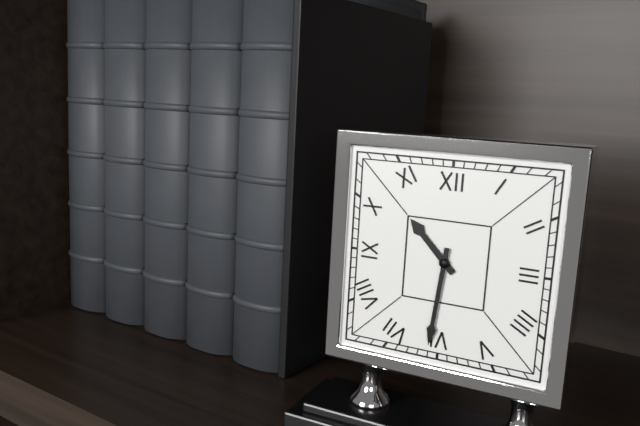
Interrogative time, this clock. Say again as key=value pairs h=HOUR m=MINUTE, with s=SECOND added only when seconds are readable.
h=10 m=31
